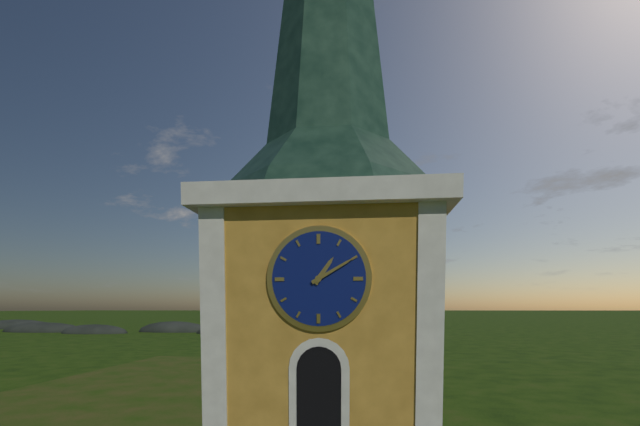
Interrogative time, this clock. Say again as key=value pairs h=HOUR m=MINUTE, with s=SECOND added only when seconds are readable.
h=1 m=10
